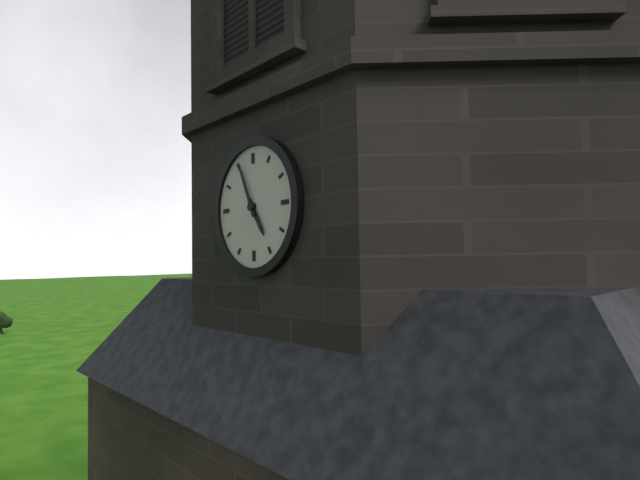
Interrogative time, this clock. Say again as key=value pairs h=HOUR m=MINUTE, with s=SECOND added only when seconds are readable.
h=4 m=56
